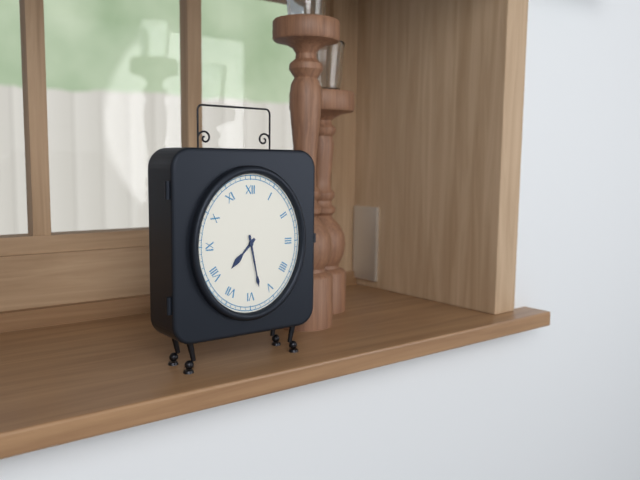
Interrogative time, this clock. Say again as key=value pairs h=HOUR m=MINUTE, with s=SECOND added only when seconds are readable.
h=7 m=28
